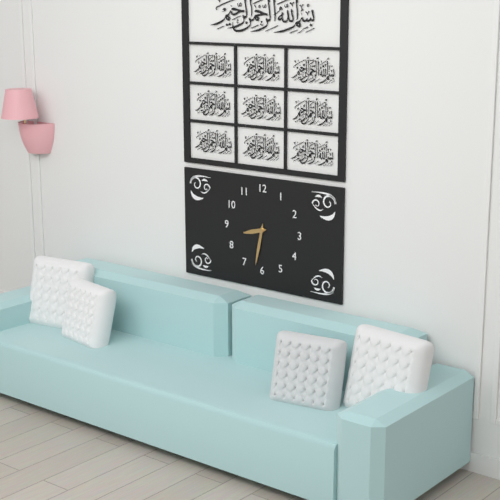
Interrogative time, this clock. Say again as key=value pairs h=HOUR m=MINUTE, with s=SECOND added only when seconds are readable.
h=8 m=32
